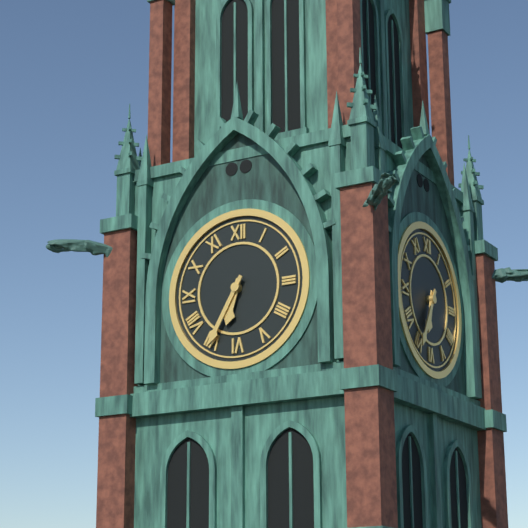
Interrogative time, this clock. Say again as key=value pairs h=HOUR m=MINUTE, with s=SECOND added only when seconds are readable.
h=6 m=35
